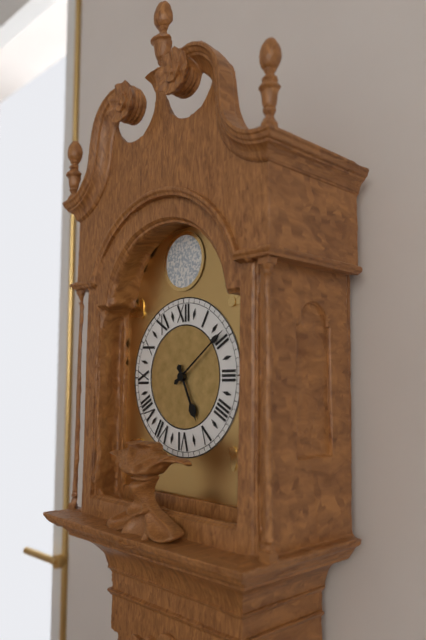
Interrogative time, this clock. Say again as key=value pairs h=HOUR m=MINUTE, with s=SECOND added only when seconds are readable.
h=5 m=9
